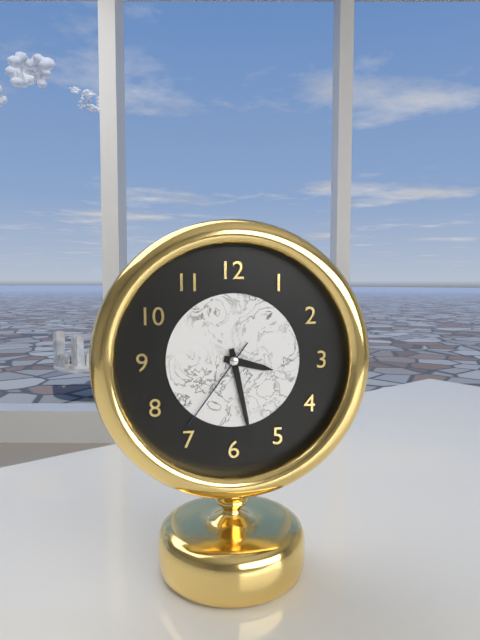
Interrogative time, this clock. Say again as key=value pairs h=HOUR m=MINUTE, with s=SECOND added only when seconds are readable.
h=3 m=28 s=36
